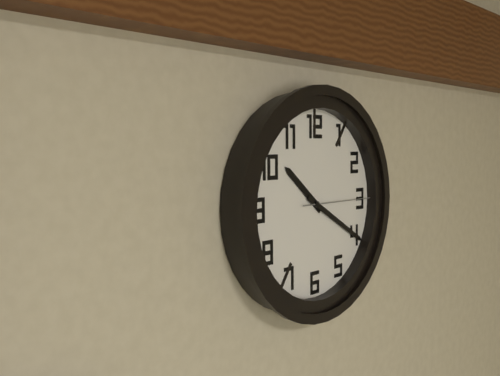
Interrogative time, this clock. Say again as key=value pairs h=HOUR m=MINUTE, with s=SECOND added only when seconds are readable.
h=10 m=20 s=15
